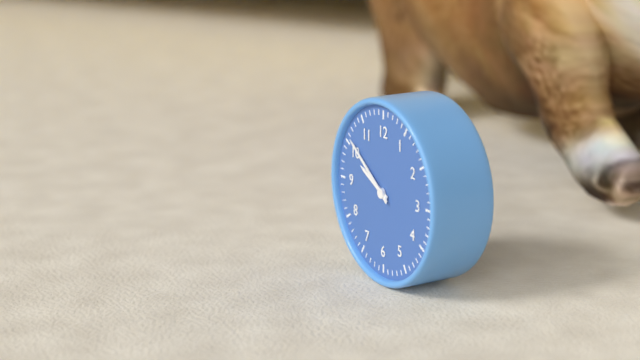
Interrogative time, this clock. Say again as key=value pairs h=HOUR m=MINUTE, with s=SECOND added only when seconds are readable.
h=9 m=51
